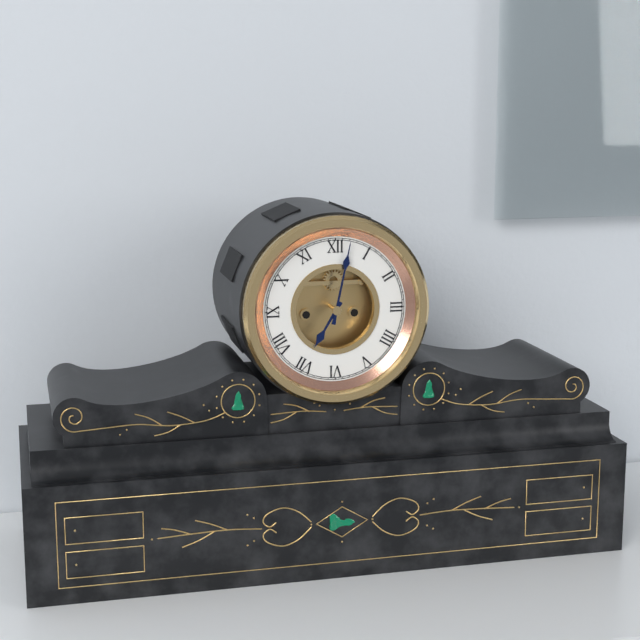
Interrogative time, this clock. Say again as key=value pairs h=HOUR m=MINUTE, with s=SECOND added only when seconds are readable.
h=7 m=2
